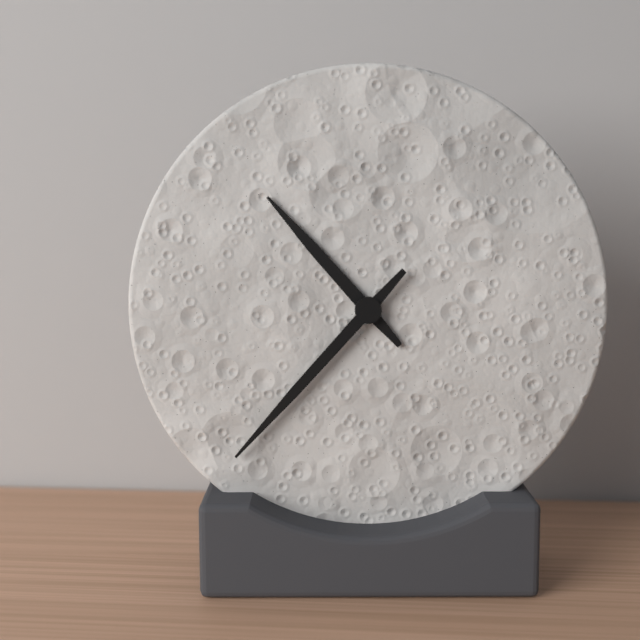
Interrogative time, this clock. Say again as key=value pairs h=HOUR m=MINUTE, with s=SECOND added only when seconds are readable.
h=10 m=37
